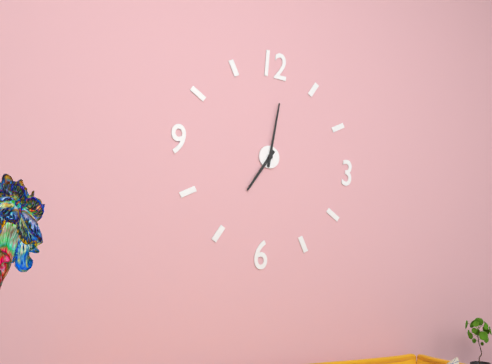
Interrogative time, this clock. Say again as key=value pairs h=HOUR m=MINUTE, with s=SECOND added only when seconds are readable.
h=7 m=1
